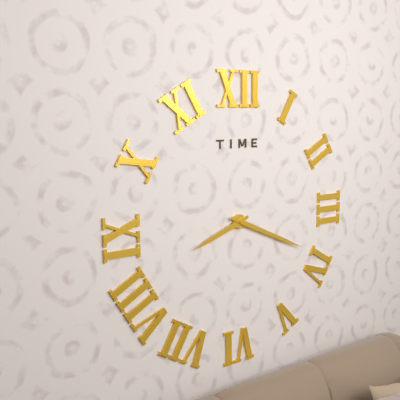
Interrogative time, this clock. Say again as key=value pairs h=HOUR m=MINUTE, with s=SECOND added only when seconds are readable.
h=8 m=19
